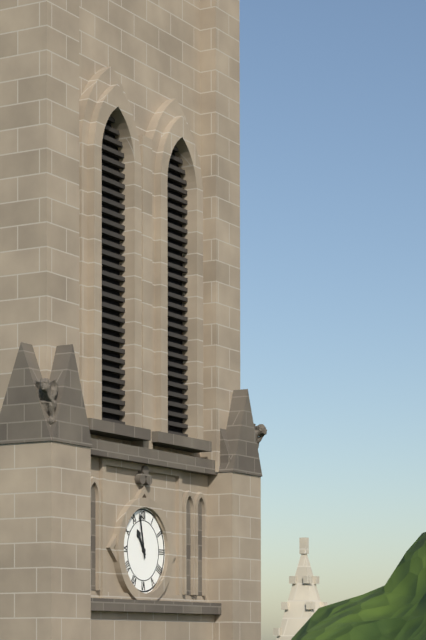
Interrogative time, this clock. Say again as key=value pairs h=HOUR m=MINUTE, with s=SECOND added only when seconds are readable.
h=10 m=58
